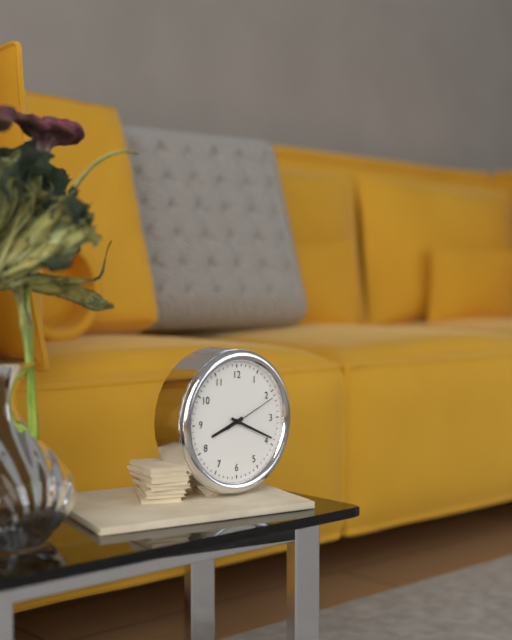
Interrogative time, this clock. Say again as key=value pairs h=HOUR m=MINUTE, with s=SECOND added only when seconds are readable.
h=8 m=19 s=11
